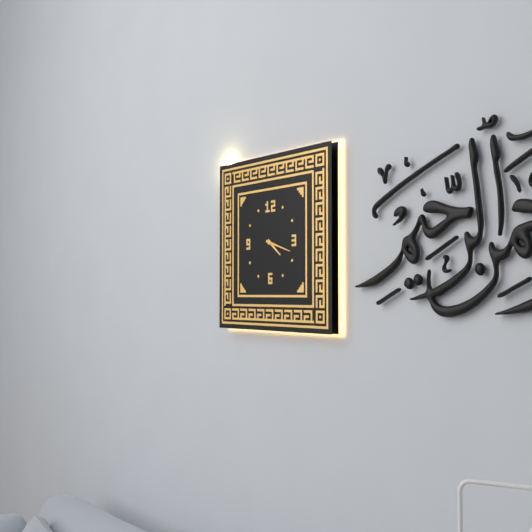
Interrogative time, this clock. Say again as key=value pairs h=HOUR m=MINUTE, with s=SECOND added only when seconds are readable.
h=4 m=18
